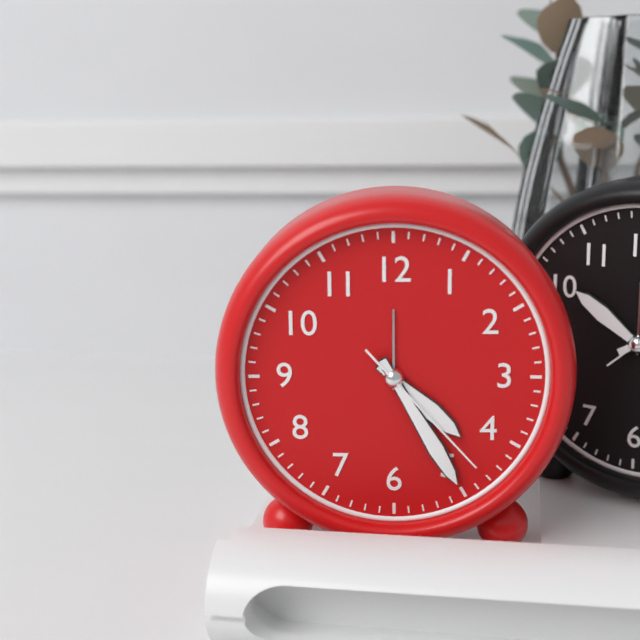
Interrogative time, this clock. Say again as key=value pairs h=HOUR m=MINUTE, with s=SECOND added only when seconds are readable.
h=4 m=25 s=23
